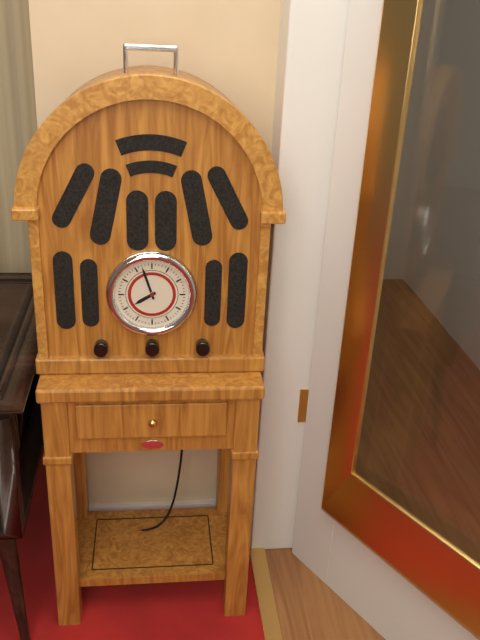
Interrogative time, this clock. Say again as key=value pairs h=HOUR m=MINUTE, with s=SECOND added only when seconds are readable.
h=7 m=57
